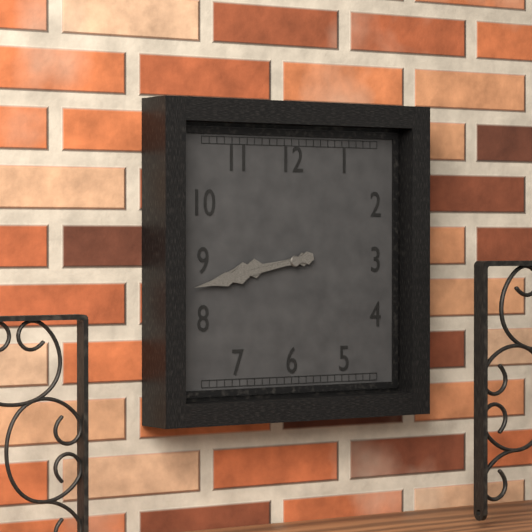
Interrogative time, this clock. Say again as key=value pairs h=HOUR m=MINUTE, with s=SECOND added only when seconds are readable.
h=8 m=43
